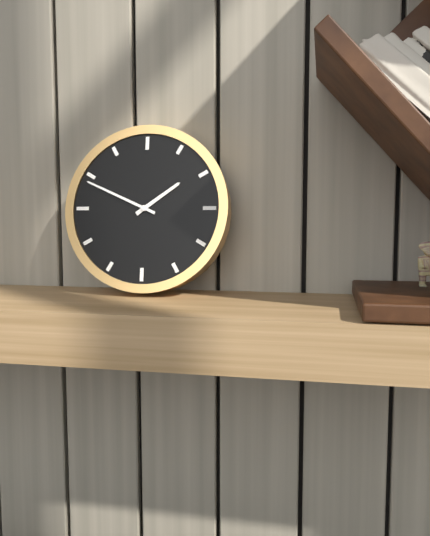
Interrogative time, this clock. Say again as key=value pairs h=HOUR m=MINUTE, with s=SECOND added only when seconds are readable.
h=1 m=49
